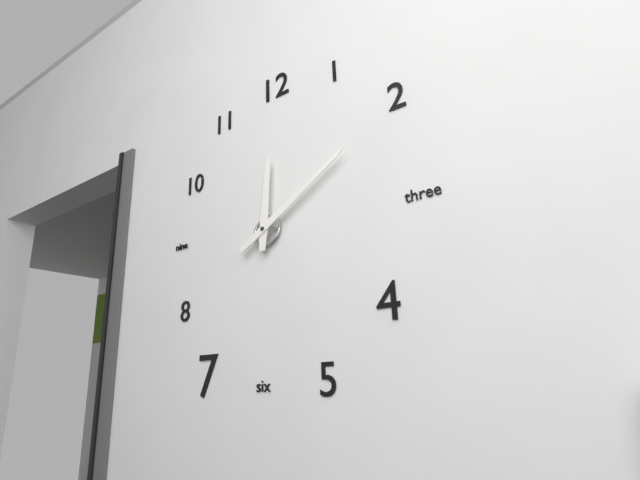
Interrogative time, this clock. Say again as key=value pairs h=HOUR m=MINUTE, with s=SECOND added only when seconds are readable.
h=12 m=10
